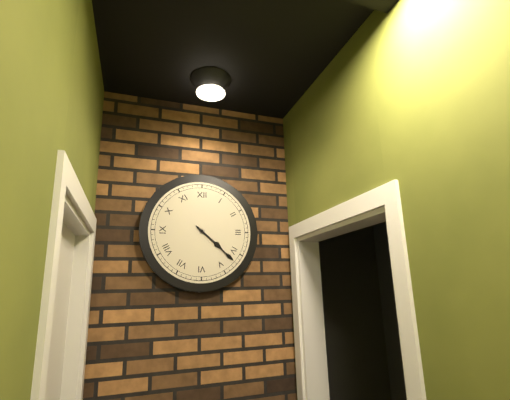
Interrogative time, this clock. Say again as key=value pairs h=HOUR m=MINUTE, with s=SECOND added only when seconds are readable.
h=4 m=22
